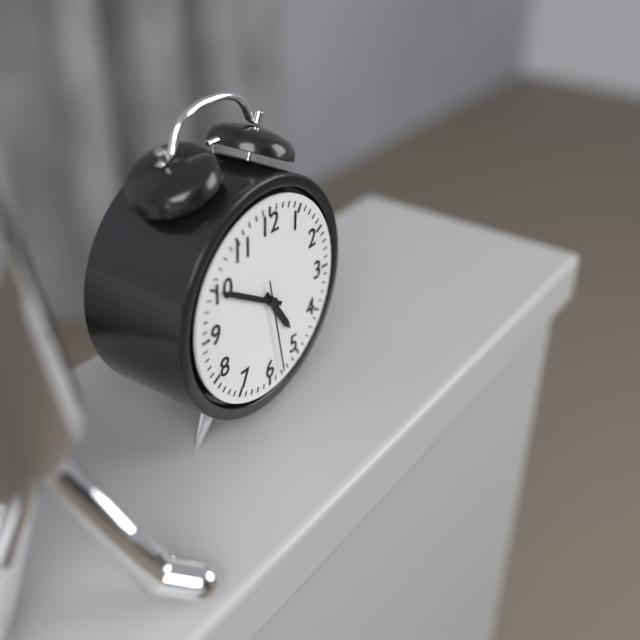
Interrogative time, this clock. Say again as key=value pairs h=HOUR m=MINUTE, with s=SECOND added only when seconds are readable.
h=4 m=50 s=28
